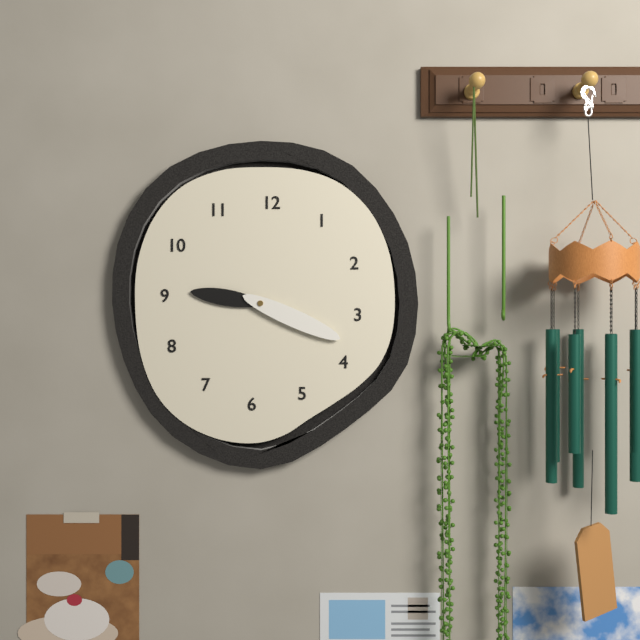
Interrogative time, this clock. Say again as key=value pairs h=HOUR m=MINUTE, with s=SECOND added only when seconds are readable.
h=9 m=19
